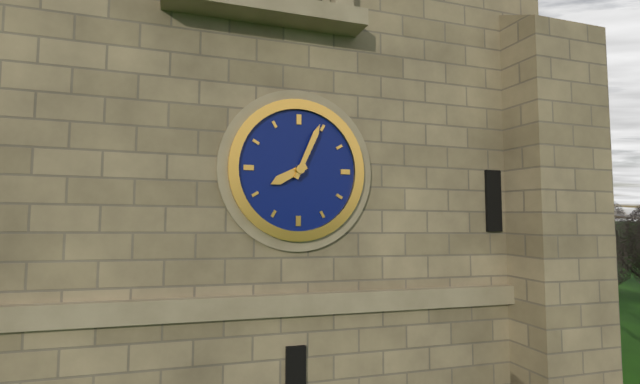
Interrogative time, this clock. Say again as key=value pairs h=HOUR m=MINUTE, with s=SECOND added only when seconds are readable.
h=8 m=4
